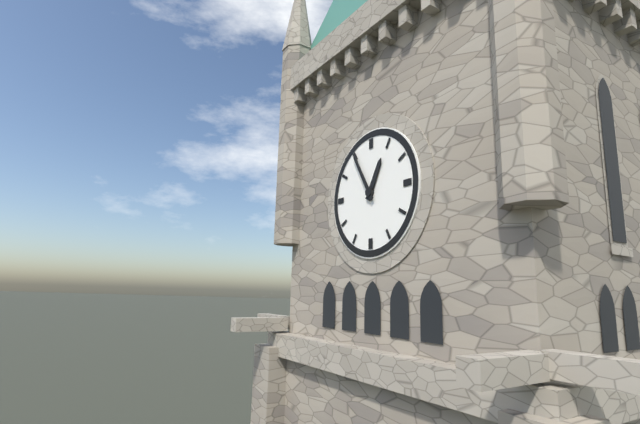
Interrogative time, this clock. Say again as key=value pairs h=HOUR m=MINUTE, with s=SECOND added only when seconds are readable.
h=12 m=55
